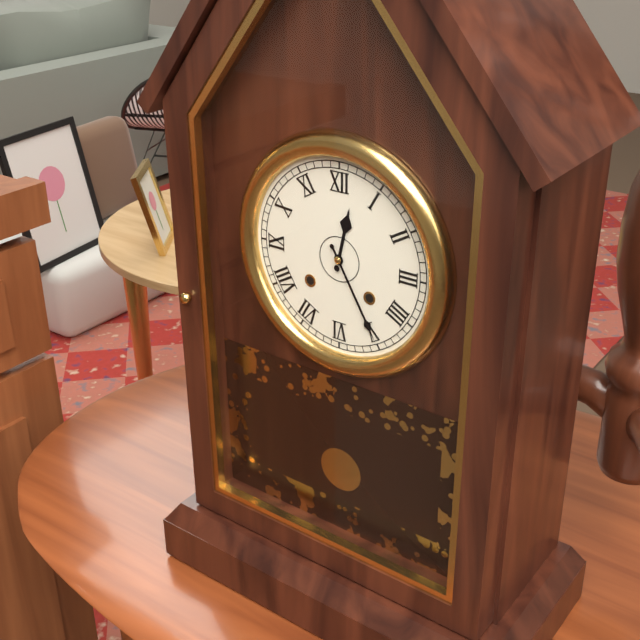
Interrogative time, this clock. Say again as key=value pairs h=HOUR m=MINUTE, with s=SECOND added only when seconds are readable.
h=12 m=25
